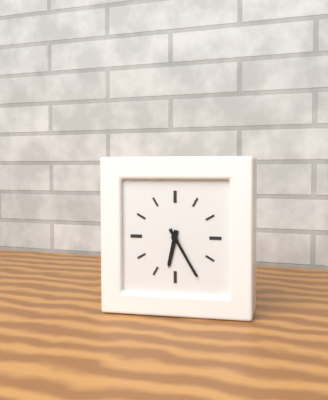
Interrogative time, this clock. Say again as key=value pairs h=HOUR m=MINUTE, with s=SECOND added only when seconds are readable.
h=6 m=25
